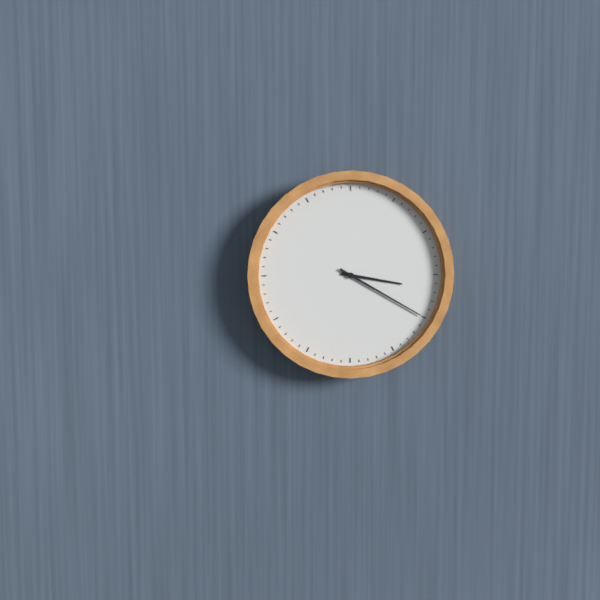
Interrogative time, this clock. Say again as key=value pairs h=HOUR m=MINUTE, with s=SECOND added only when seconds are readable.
h=3 m=20
